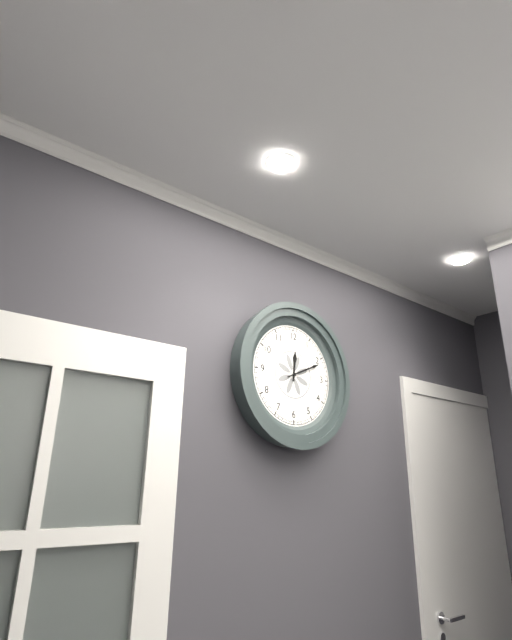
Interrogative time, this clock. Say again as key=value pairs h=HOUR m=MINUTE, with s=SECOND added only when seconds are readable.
h=12 m=11
